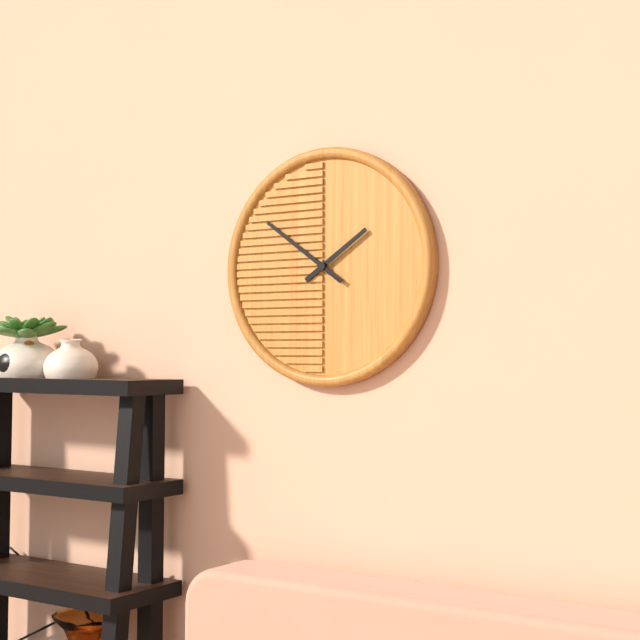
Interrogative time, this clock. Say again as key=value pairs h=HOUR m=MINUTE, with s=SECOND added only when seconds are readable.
h=1 m=51
